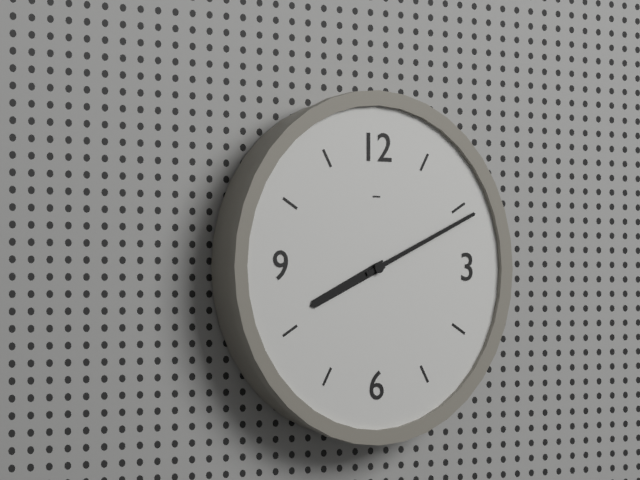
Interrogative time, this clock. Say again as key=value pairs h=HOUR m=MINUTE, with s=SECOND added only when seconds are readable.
h=8 m=11
